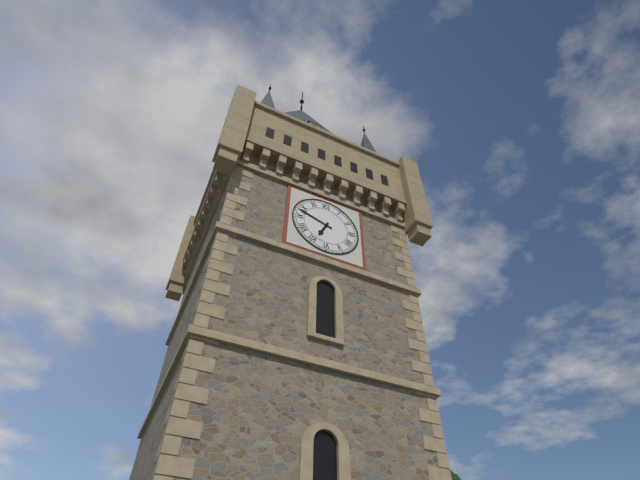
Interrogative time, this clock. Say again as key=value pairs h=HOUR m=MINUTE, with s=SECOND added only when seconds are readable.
h=6 m=48
